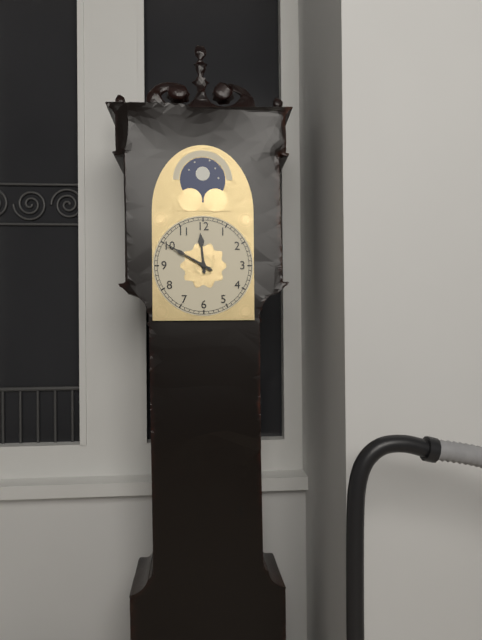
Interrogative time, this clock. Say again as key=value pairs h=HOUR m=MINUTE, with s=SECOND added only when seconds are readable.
h=11 m=50
